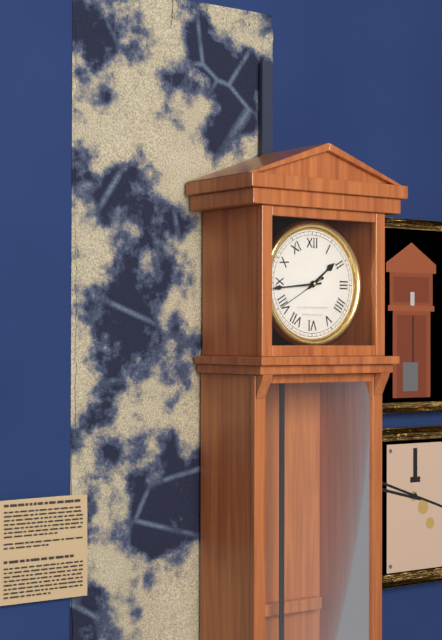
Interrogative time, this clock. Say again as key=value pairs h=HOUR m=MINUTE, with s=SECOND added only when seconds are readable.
h=1 m=44
